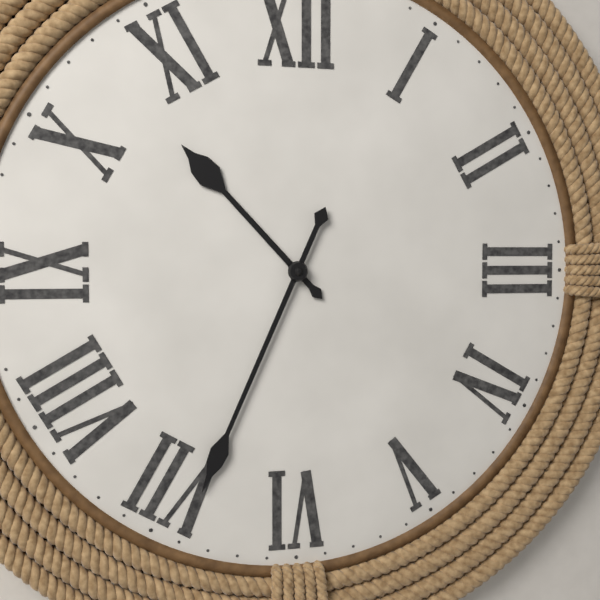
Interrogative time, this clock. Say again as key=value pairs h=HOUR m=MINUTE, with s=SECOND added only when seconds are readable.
h=10 m=34
